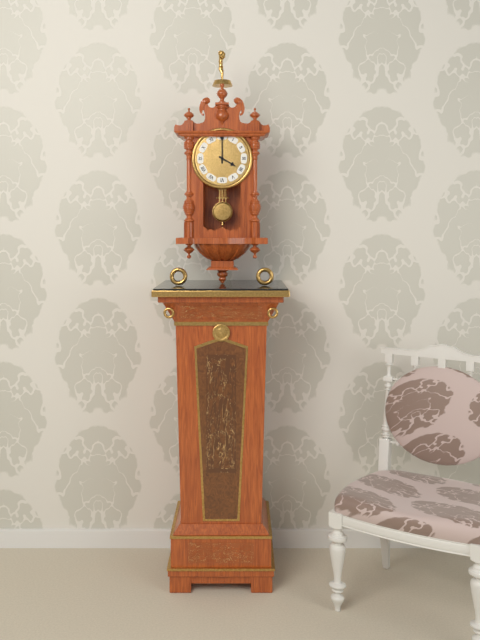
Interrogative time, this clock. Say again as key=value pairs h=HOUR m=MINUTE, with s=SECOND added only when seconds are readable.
h=4 m=0
